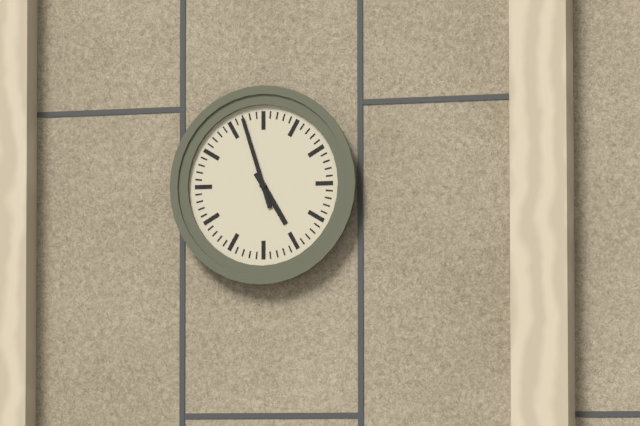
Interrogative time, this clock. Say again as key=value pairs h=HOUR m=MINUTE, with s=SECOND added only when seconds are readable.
h=4 m=57
